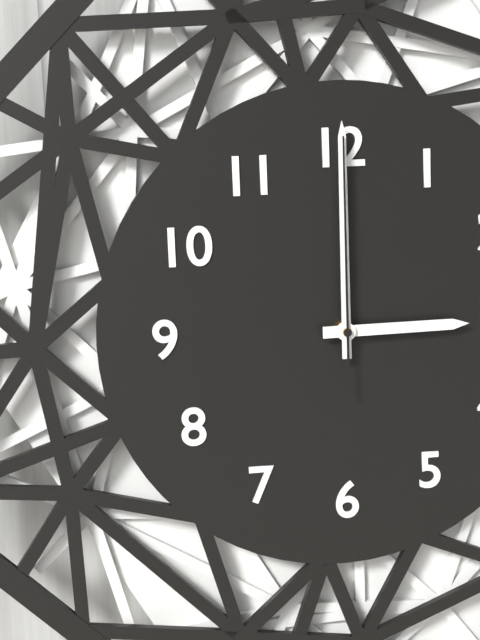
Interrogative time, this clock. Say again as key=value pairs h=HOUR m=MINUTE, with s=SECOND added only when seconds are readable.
h=3 m=0 s=0
